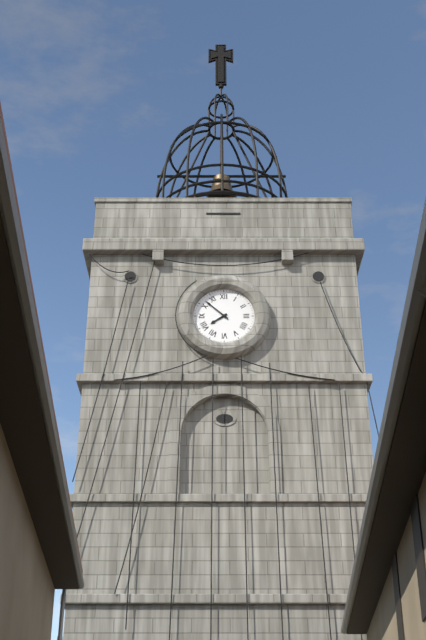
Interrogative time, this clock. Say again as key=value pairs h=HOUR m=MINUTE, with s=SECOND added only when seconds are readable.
h=7 m=52
